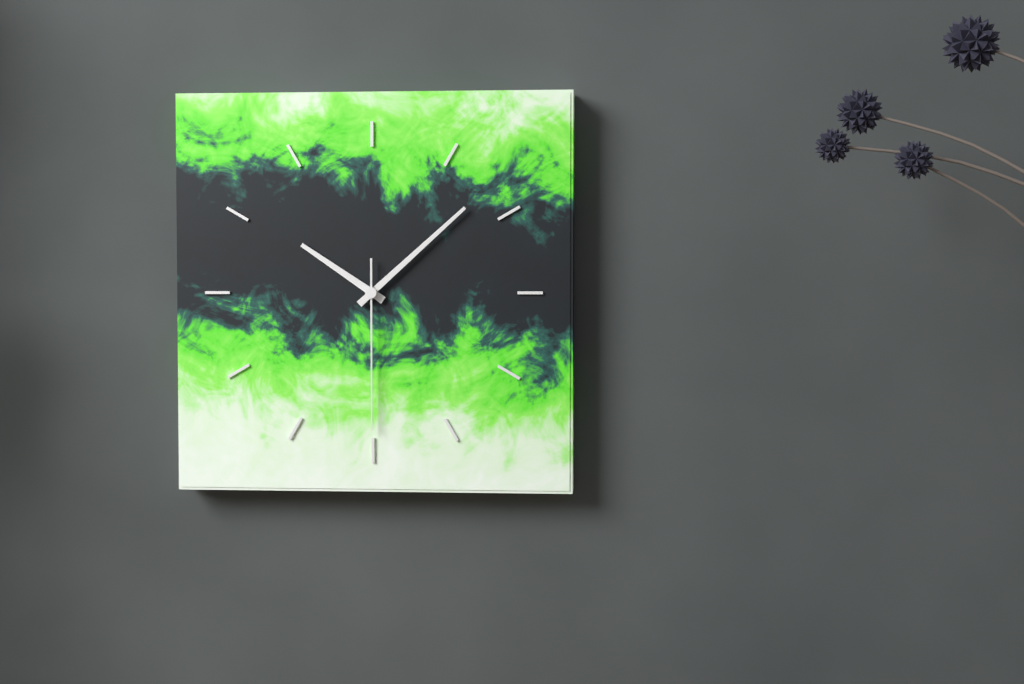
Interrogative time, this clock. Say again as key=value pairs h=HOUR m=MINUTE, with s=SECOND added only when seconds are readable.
h=10 m=8 s=30
